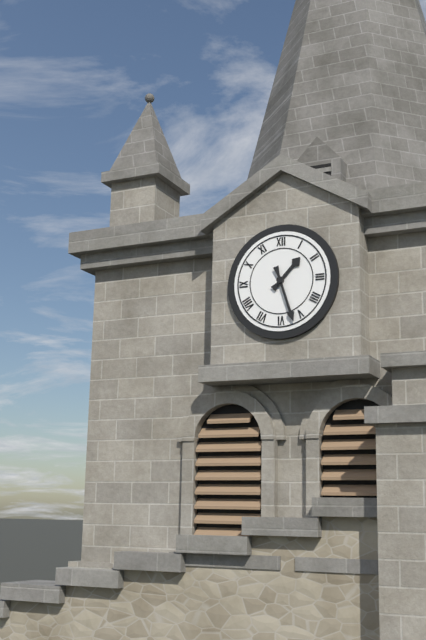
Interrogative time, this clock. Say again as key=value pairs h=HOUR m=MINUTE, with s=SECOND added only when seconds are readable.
h=1 m=27
